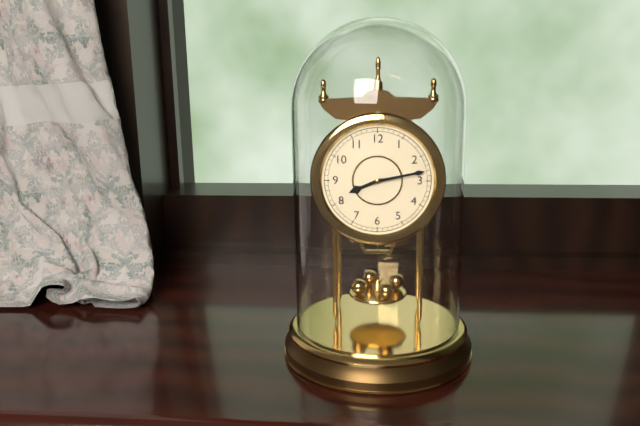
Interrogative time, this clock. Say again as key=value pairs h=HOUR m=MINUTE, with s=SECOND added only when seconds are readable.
h=8 m=13
